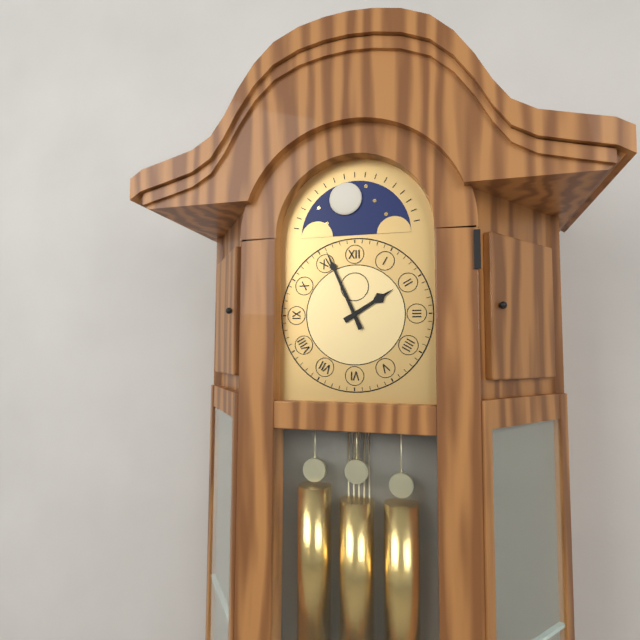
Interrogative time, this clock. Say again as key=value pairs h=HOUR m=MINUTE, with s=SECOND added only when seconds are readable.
h=1 m=56
